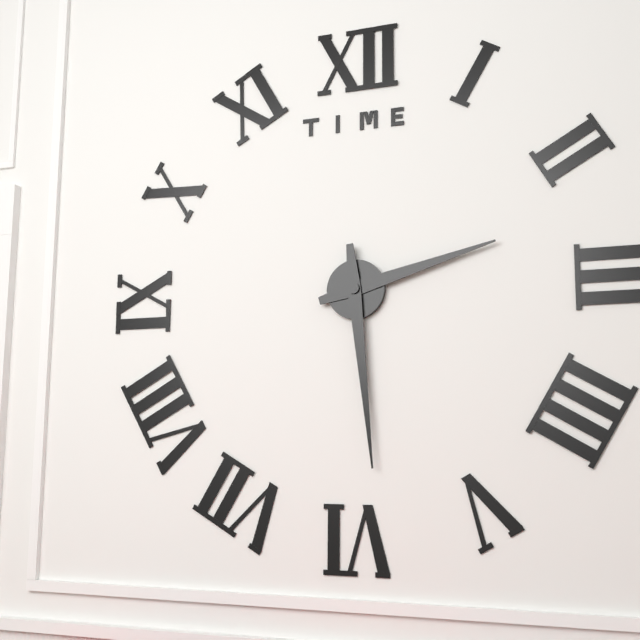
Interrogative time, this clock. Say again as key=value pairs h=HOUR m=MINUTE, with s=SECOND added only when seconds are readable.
h=2 m=29
